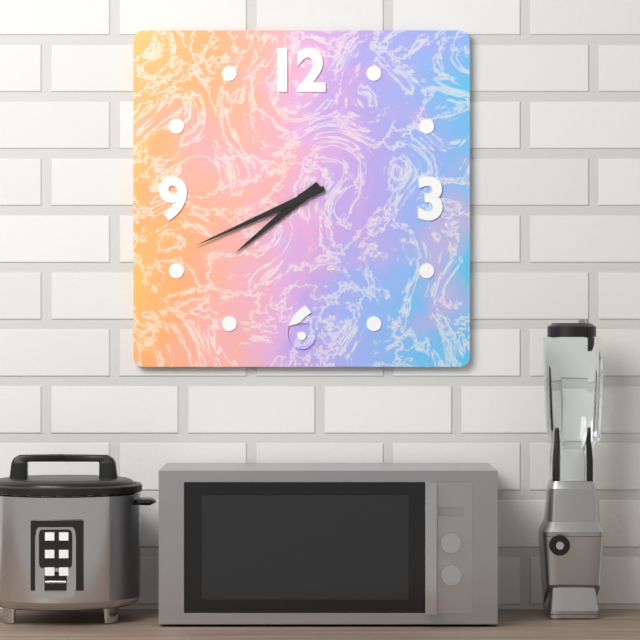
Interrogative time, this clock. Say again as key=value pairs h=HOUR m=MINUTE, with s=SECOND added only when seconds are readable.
h=7 m=41
